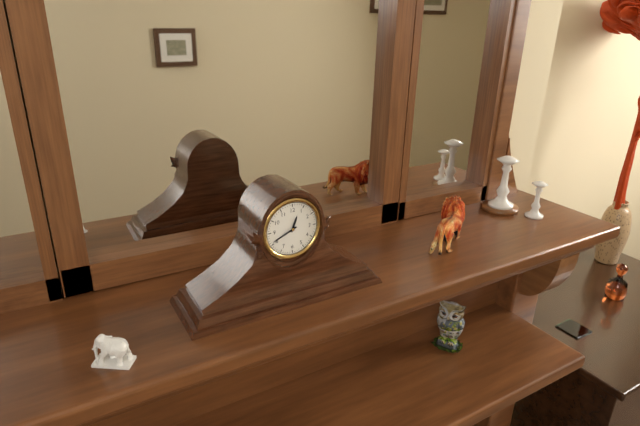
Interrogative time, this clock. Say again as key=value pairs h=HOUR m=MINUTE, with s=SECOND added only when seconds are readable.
h=12 m=41
